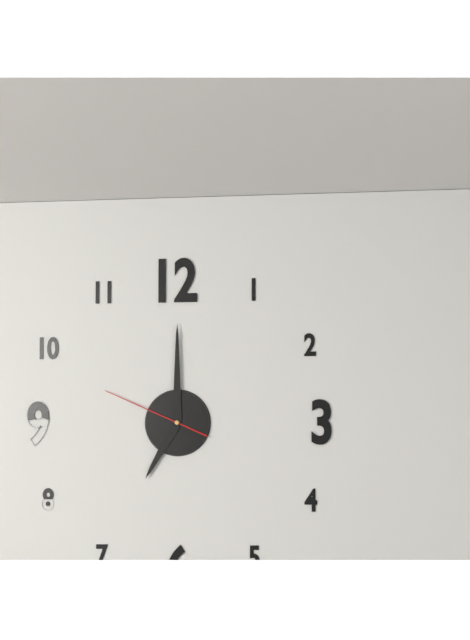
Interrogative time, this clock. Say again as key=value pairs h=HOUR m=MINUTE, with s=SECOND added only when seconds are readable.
h=7 m=0 s=49
